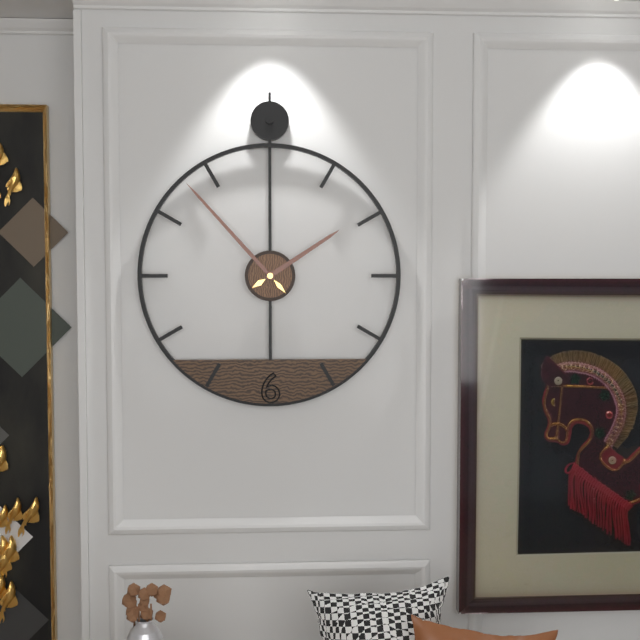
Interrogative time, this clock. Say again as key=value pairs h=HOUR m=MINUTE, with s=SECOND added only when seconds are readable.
h=1 m=53
